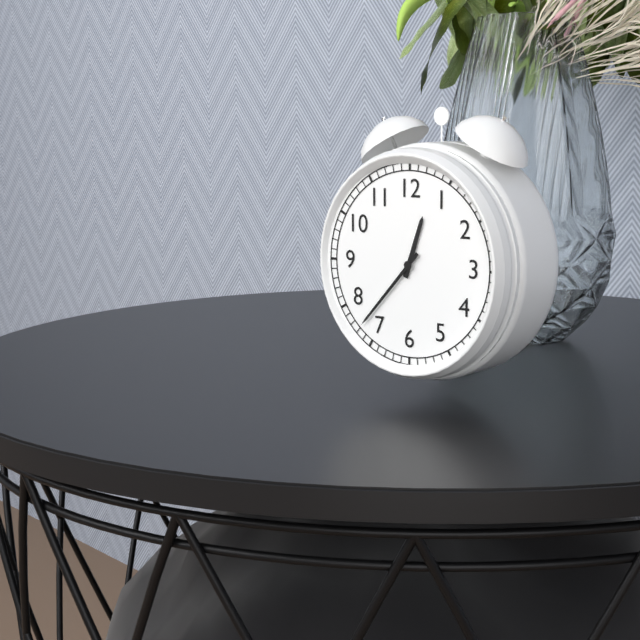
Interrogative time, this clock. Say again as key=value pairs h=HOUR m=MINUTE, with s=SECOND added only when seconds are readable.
h=12 m=37
